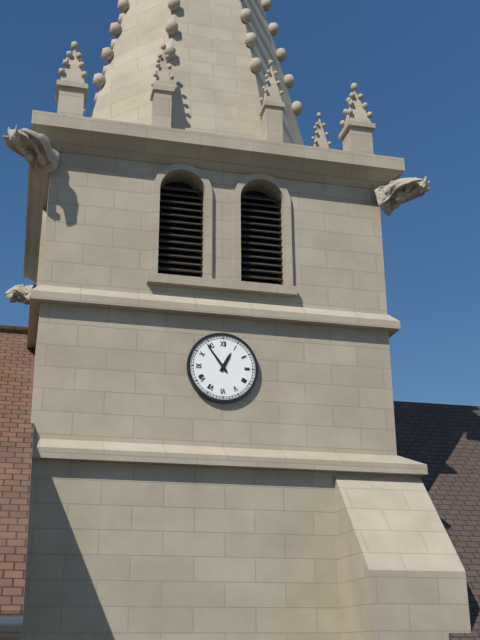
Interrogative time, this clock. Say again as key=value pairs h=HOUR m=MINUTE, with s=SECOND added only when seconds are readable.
h=12 m=54
